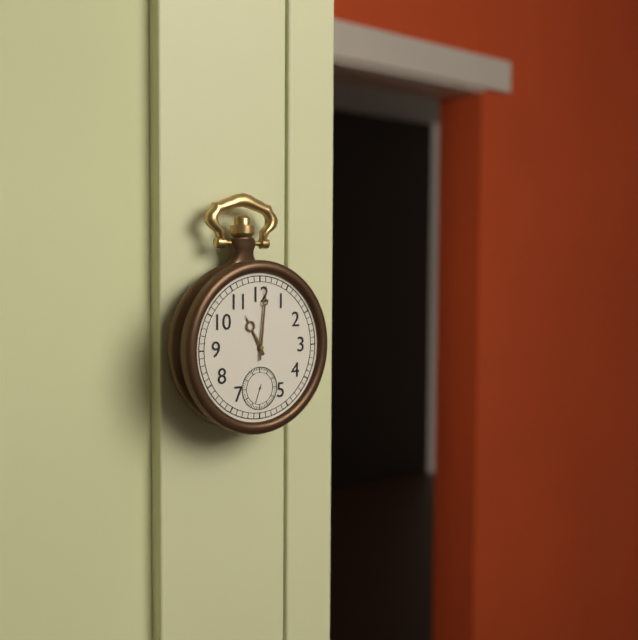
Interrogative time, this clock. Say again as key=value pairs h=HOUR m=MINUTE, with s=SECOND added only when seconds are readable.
h=11 m=1
